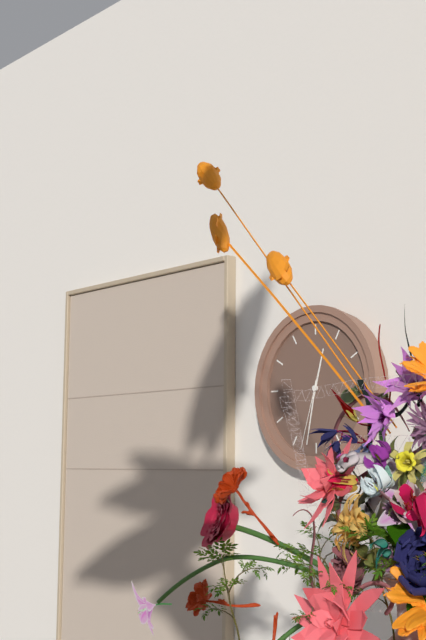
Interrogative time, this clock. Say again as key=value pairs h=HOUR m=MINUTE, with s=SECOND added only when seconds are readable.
h=12 m=32 s=33
